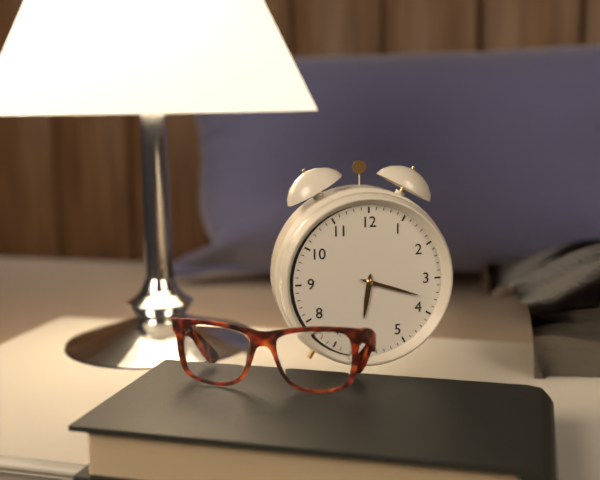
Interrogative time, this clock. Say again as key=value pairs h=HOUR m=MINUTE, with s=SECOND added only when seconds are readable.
h=6 m=18
